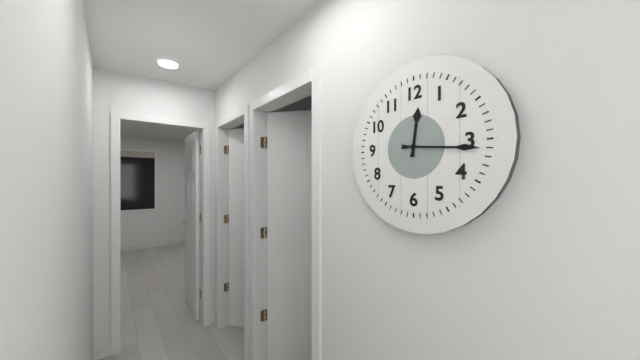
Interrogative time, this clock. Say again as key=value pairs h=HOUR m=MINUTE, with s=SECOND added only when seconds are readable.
h=12 m=16
